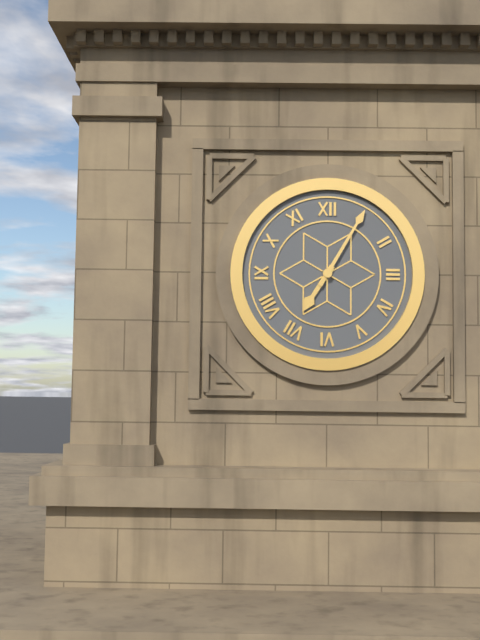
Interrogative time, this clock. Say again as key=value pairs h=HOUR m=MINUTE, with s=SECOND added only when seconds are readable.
h=7 m=5
